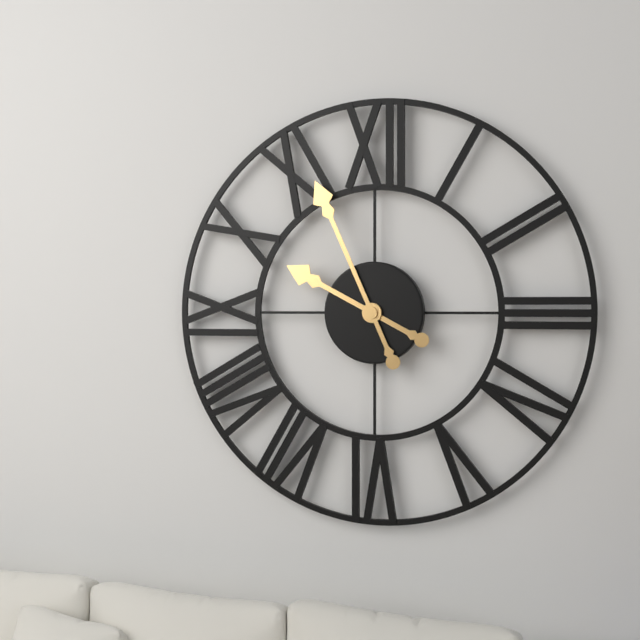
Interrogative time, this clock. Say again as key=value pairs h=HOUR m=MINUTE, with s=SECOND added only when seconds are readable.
h=9 m=56
